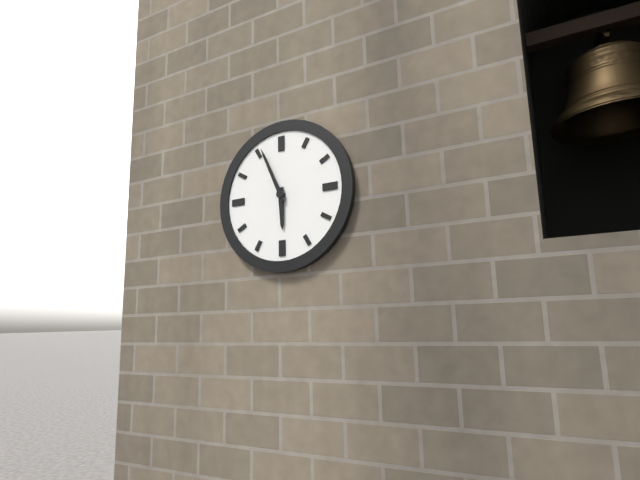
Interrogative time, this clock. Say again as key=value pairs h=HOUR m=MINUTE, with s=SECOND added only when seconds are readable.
h=5 m=56
